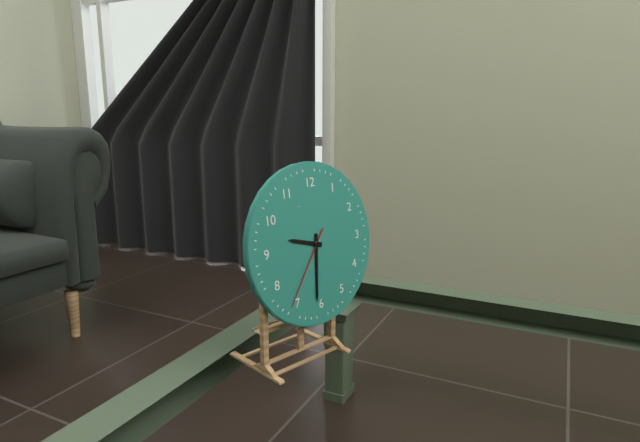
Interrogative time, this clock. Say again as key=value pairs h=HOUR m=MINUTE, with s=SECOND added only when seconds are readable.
h=9 m=31 s=36
